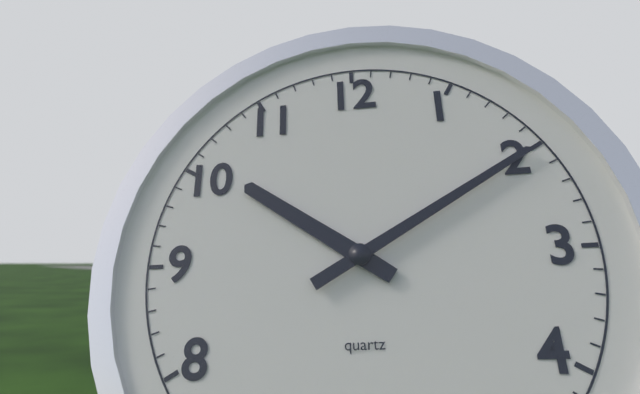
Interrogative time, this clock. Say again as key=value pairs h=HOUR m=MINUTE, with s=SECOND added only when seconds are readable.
h=10 m=10
